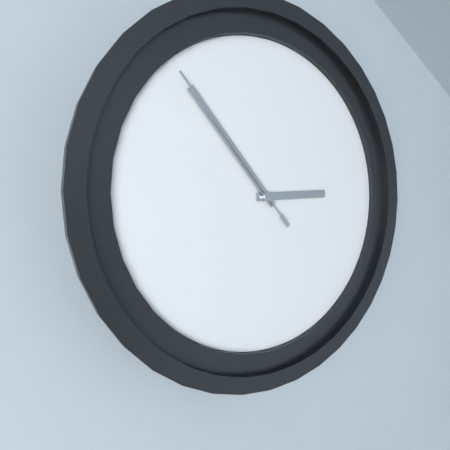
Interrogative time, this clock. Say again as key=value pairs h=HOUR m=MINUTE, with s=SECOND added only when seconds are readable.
h=2 m=53 s=53
